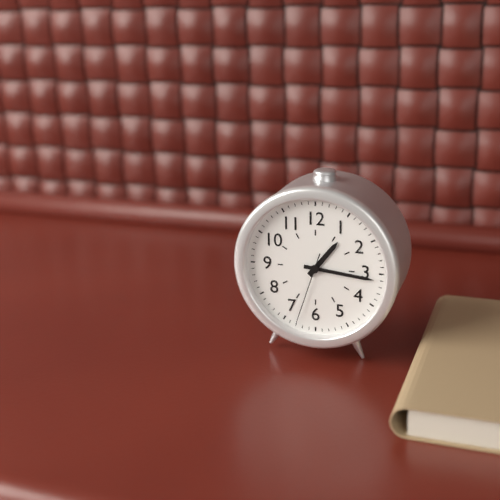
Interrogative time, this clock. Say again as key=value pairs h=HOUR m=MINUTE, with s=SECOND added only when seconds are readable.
h=1 m=16 s=33
